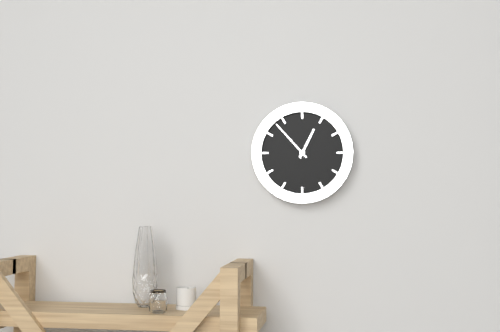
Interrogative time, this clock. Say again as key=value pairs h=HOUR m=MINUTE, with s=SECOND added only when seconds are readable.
h=12 m=53
